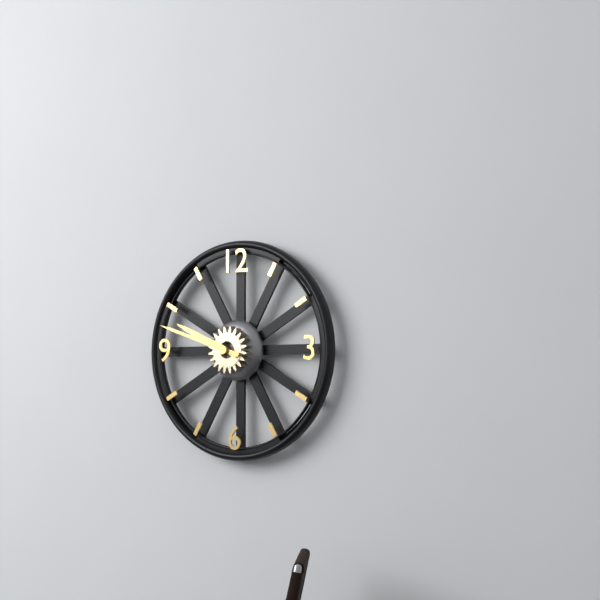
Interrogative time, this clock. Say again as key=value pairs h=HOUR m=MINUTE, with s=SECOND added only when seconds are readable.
h=9 m=48
